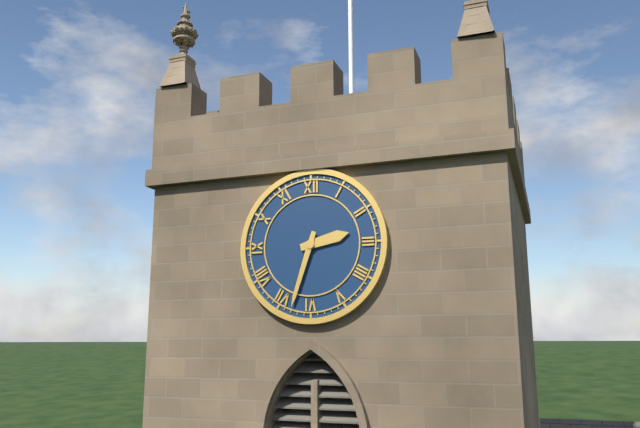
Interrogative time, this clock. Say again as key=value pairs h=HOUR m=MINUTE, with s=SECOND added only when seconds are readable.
h=2 m=33
